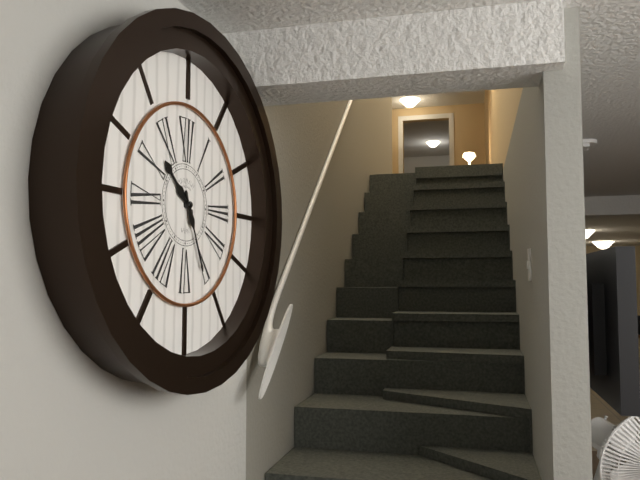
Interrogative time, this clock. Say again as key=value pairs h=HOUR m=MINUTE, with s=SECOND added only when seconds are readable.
h=10 m=26
